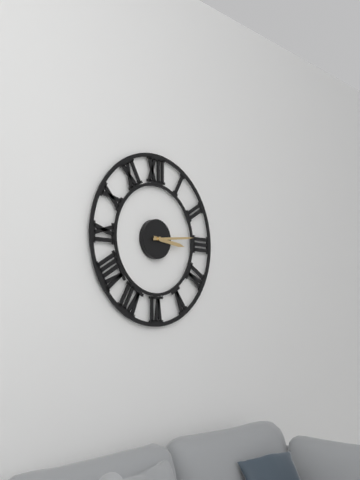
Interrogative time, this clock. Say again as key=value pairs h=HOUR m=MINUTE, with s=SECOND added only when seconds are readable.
h=3 m=14
